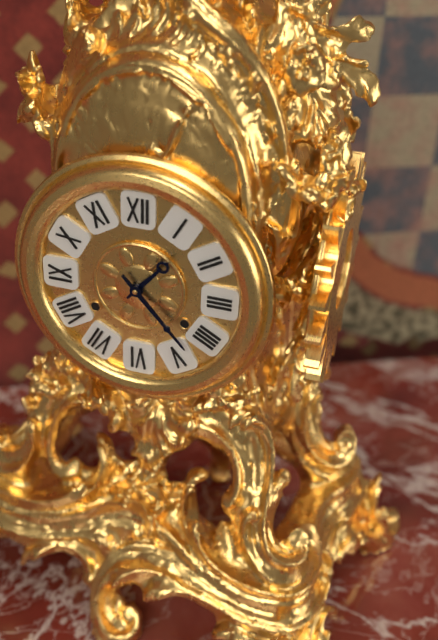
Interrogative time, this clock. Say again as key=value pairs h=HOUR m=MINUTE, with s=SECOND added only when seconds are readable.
h=1 m=23
